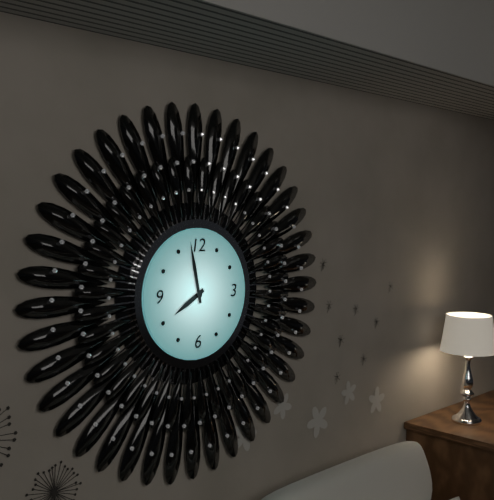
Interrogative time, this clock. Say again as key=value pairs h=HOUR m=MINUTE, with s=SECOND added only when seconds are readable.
h=7 m=58
